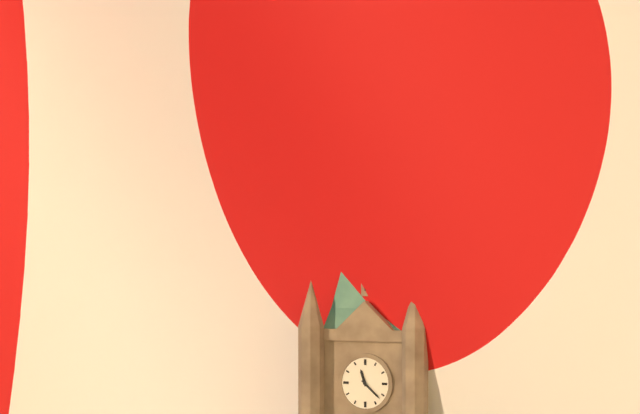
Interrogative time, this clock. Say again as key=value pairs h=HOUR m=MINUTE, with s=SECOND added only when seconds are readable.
h=11 m=22
